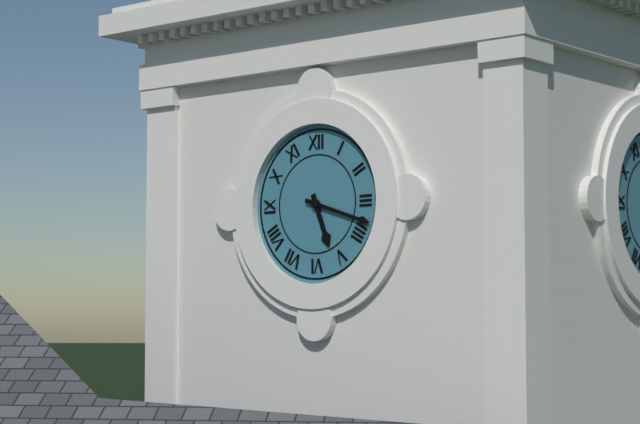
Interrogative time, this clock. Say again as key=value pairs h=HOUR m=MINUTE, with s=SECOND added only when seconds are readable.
h=5 m=18
